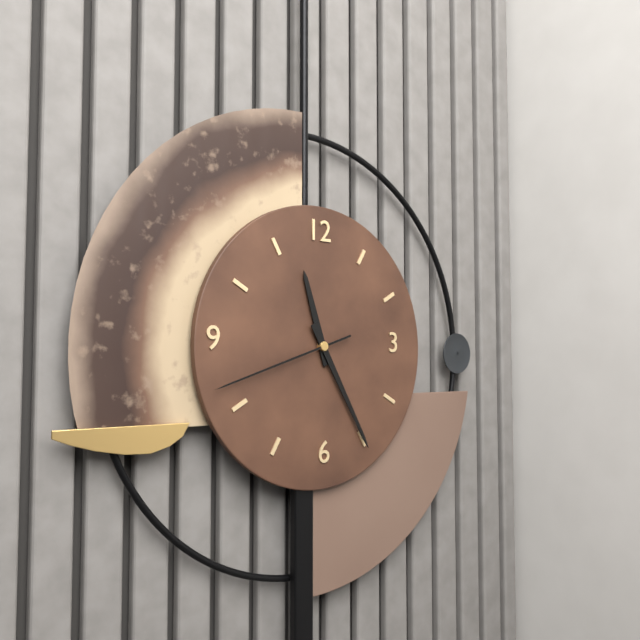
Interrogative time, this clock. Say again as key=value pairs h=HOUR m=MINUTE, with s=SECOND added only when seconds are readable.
h=11 m=25 s=42
